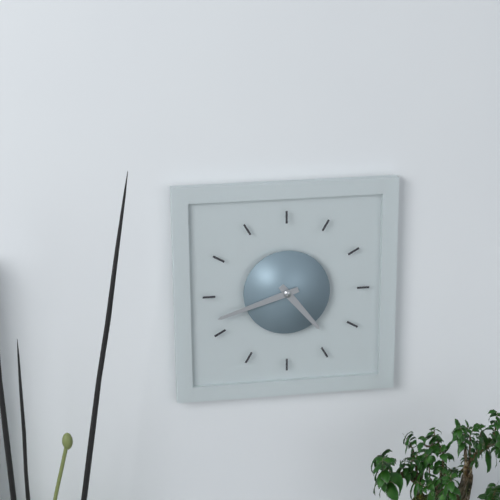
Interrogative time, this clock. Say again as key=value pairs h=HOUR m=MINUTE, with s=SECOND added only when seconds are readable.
h=4 m=42
